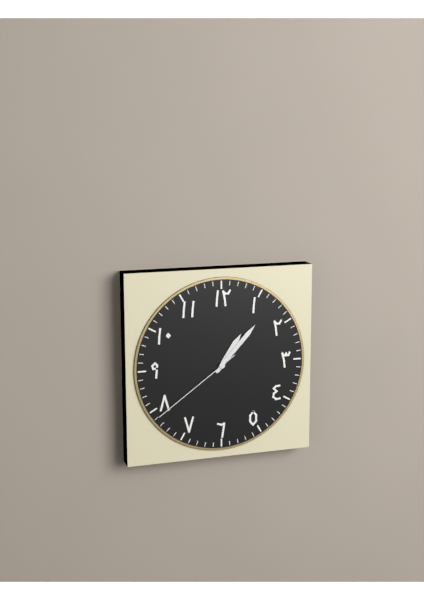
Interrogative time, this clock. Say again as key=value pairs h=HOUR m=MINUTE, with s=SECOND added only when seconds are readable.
h=1 m=7 s=39
